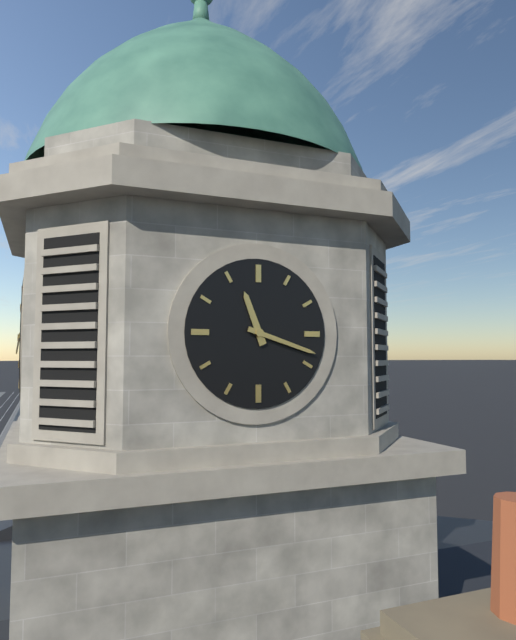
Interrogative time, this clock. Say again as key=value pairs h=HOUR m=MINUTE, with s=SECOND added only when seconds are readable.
h=11 m=18
